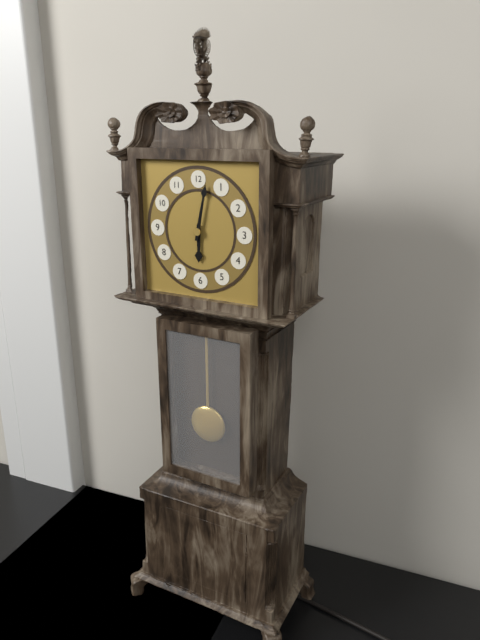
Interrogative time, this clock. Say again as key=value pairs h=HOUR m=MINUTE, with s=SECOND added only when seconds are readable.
h=6 m=2
